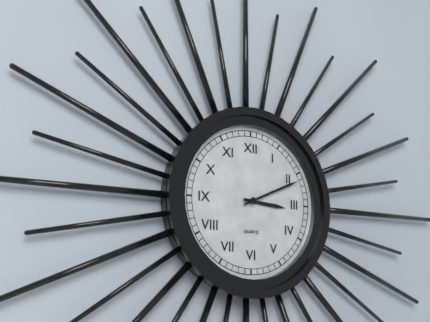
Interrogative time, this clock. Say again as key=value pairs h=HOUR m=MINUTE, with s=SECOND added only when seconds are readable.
h=3 m=11
